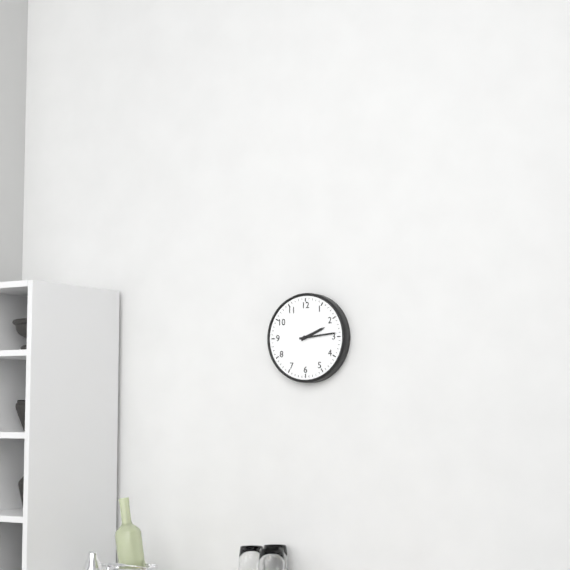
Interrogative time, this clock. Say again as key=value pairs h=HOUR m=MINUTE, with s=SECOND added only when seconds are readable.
h=2 m=14
